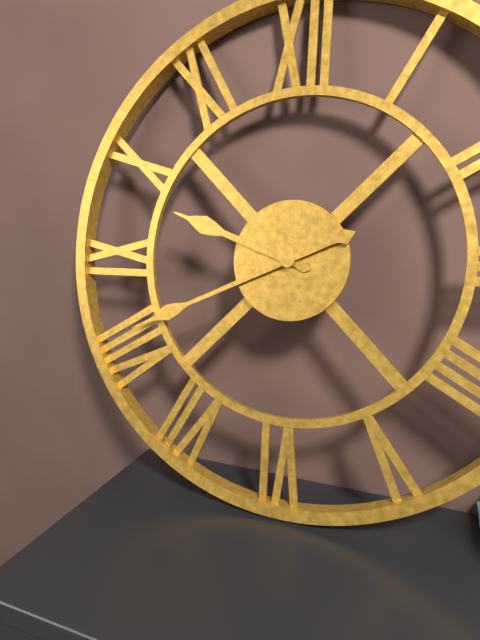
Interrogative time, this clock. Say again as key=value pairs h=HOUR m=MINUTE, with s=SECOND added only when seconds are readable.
h=9 m=41
